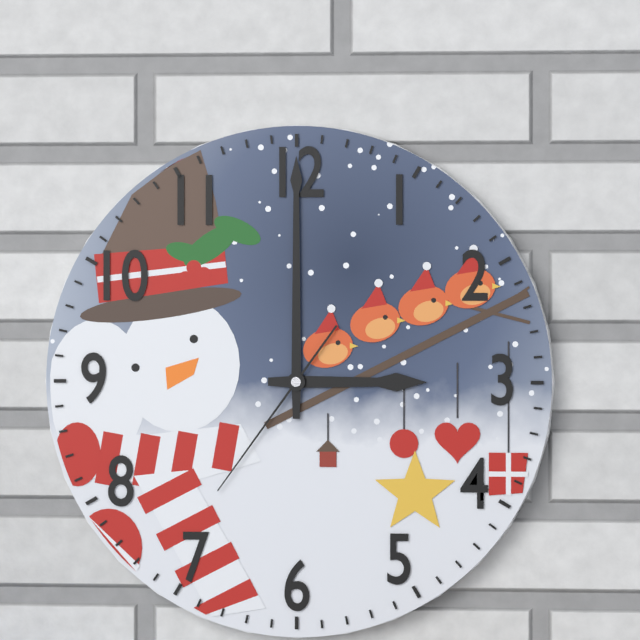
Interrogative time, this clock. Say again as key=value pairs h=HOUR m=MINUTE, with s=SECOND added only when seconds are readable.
h=3 m=0 s=36
